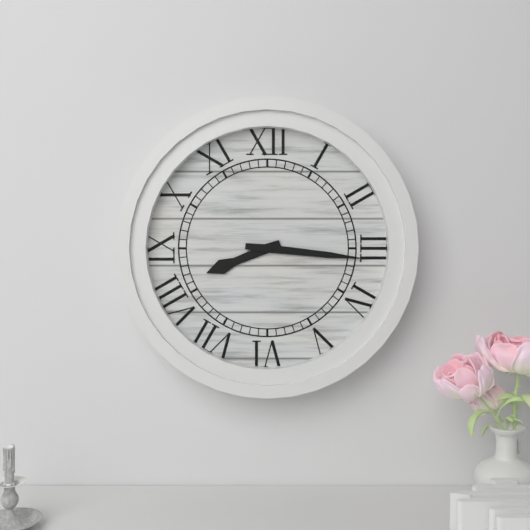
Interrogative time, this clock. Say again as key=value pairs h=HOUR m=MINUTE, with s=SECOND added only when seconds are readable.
h=8 m=16
